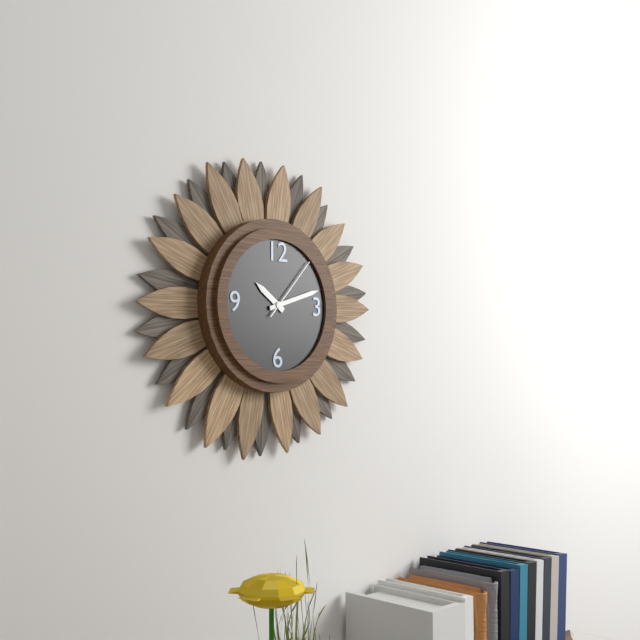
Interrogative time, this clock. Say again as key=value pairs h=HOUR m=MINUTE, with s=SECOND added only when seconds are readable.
h=10 m=12 s=7
